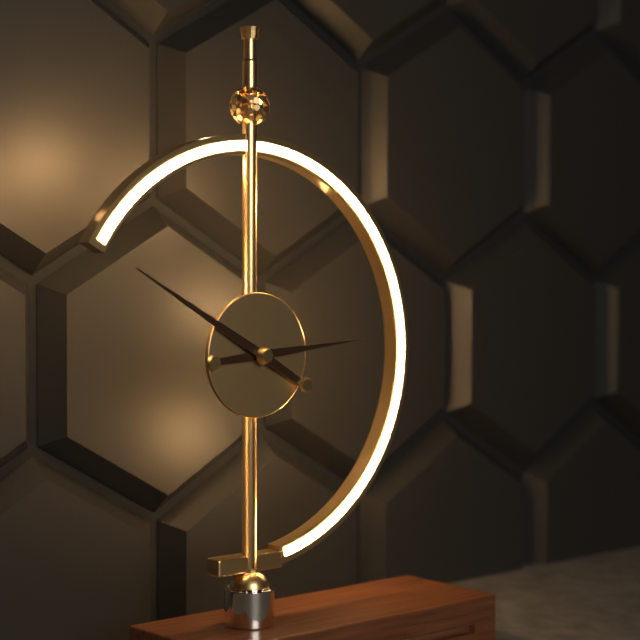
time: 2:50
